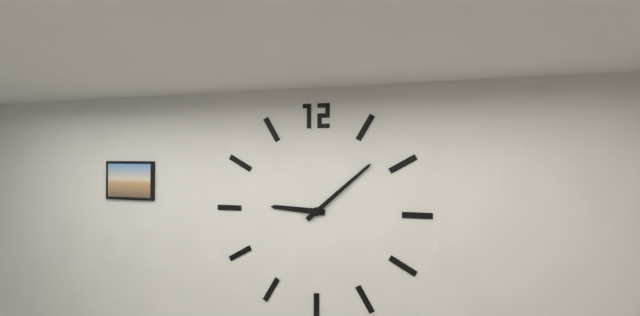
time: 9:08
